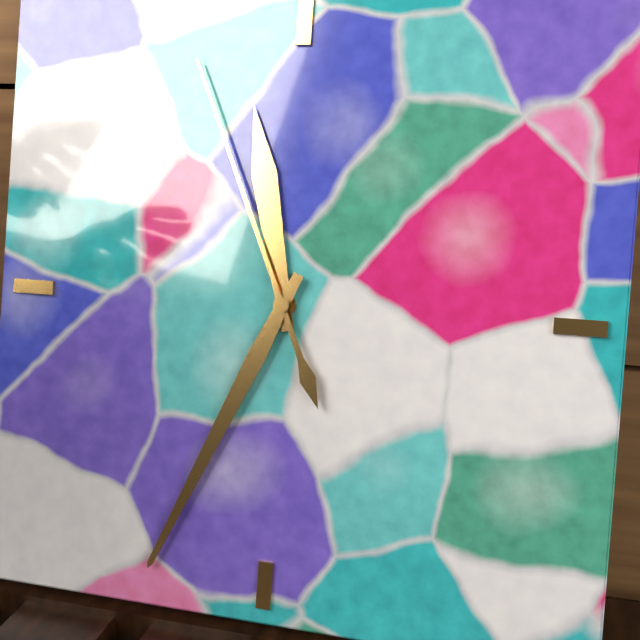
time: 11:34:56
